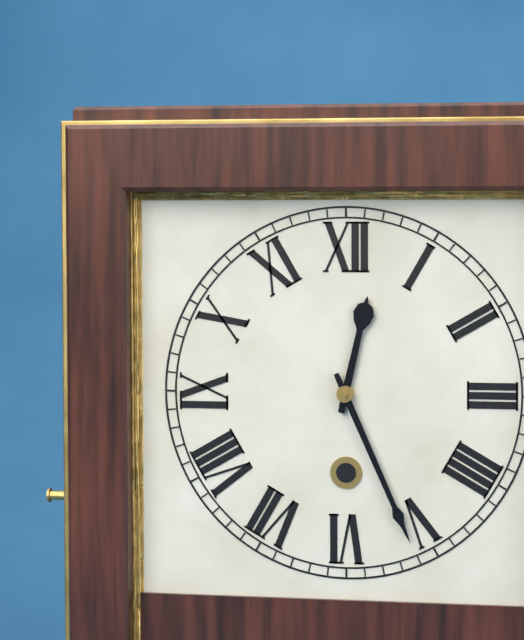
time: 12:26
